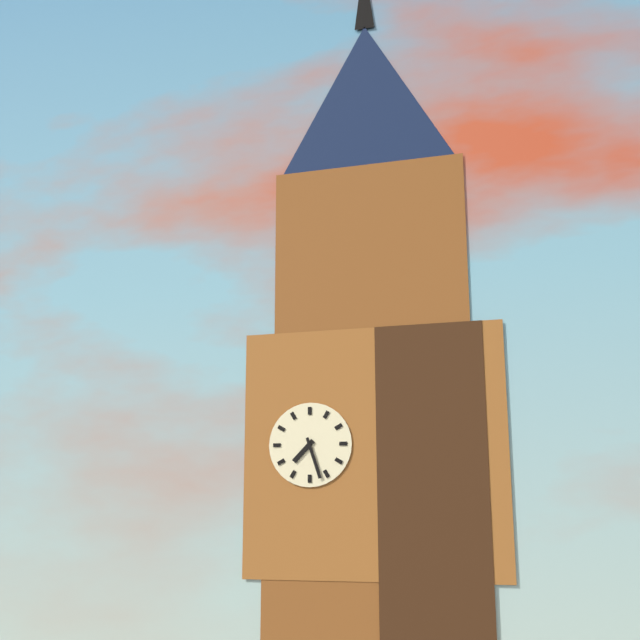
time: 7:27
